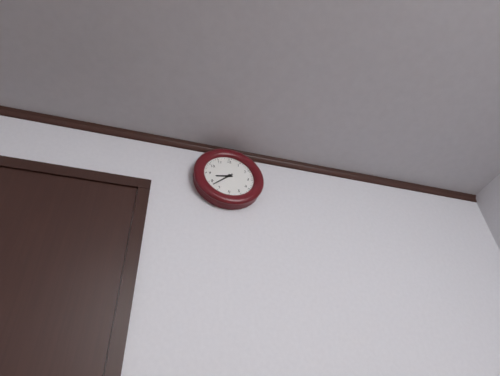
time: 8:38
